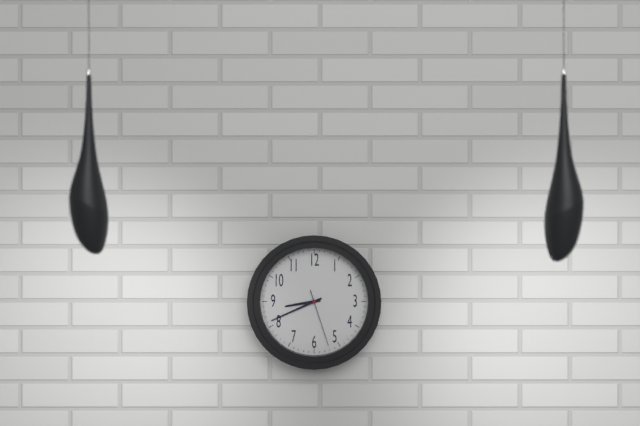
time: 8:41:27
